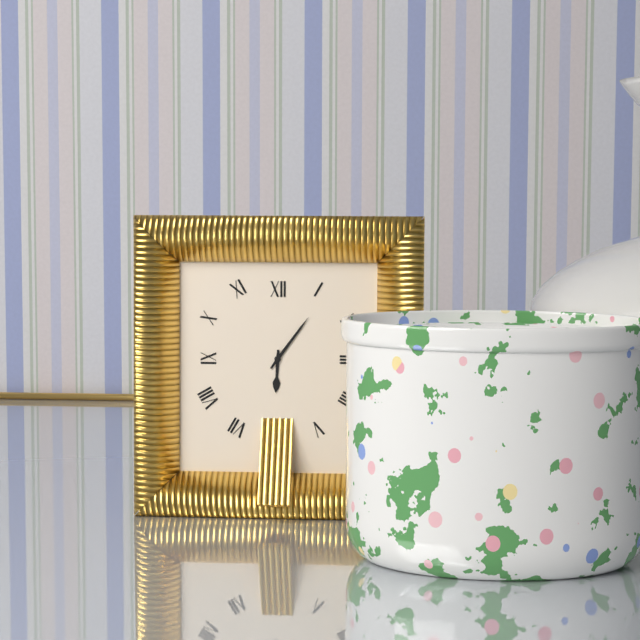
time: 6:06
